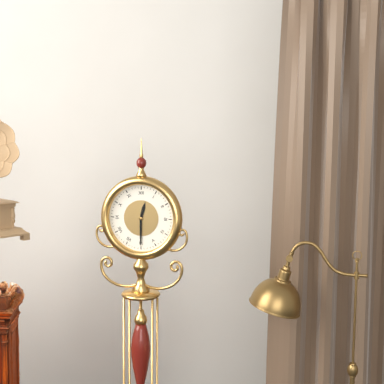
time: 12:30
